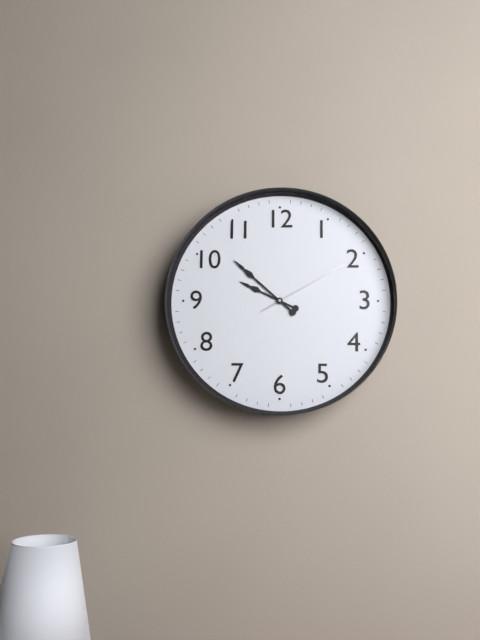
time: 9:52:10
